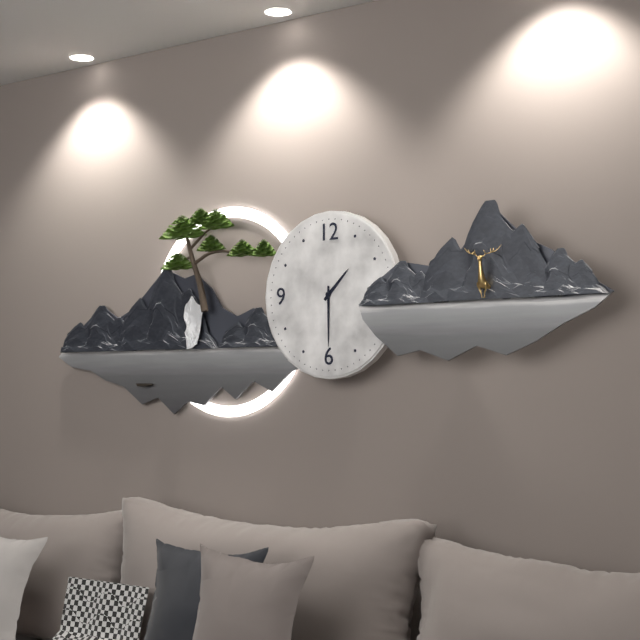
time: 1:30
